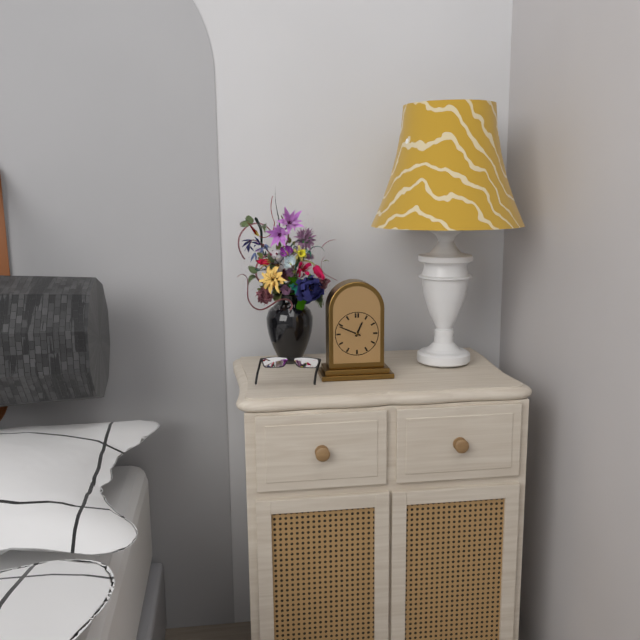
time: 12:49
